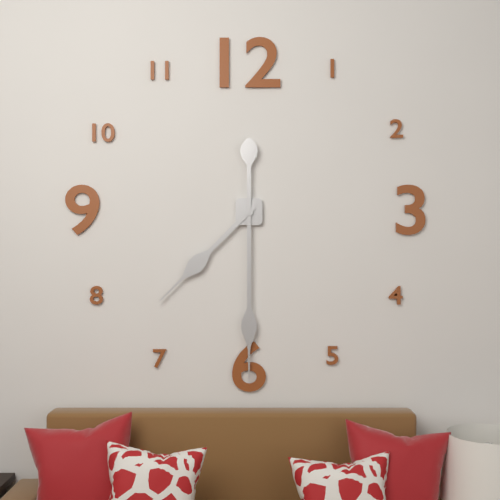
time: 7:30
